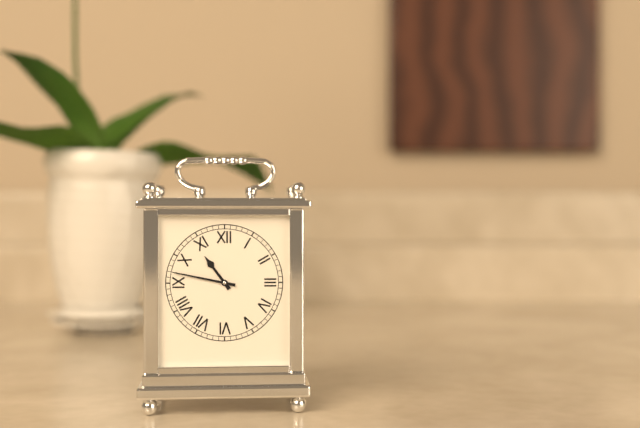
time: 10:47
